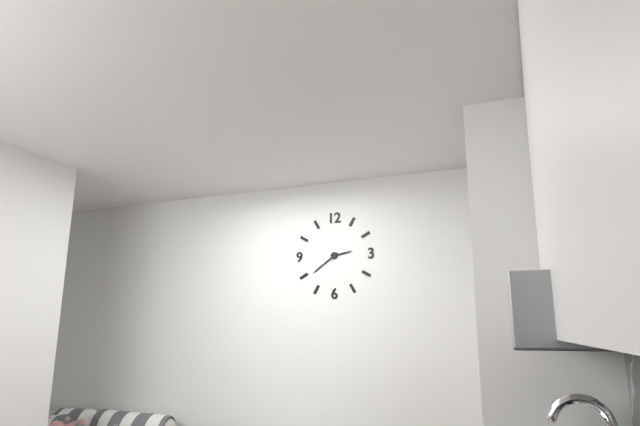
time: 2:39
